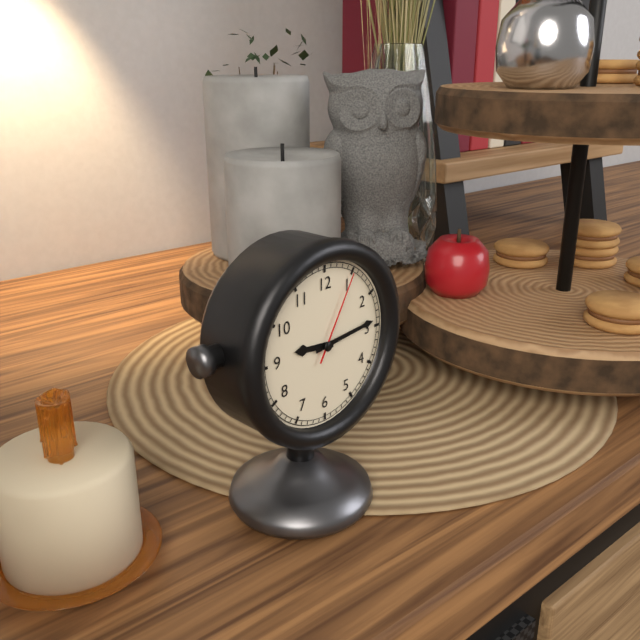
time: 9:14:05
